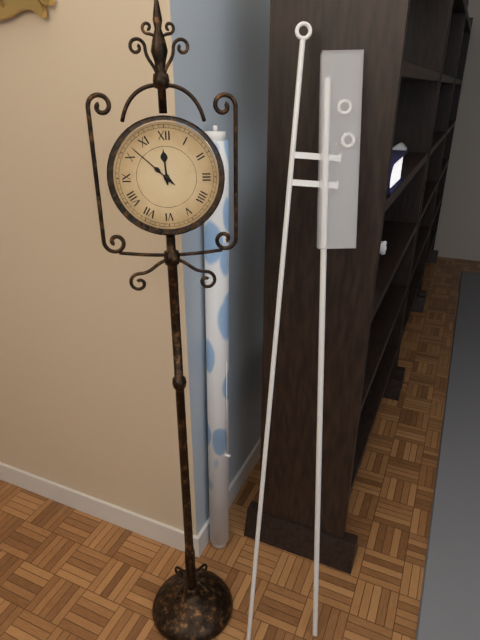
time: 11:52
